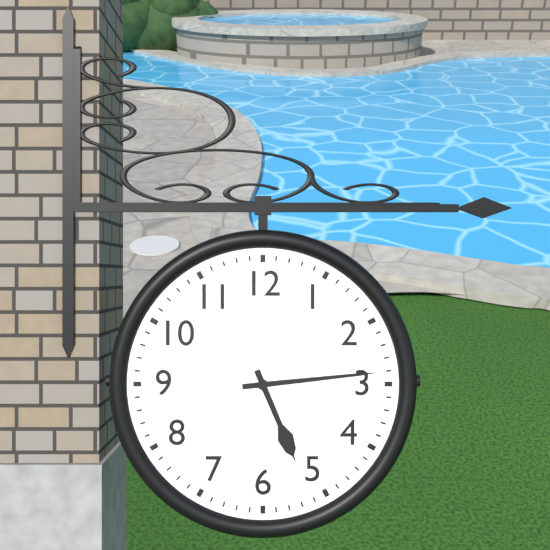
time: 5:14
